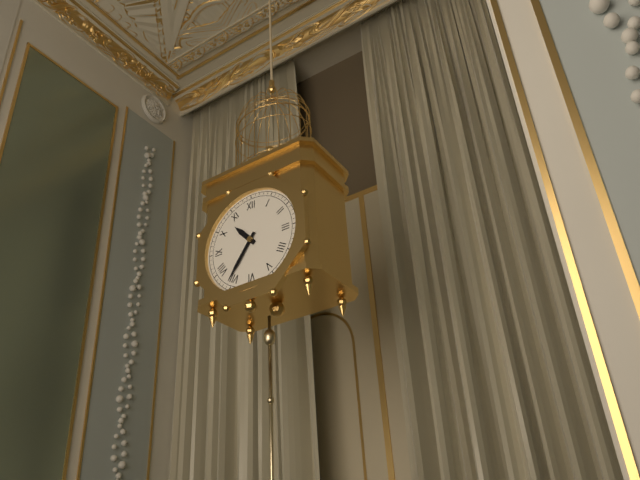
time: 10:36
